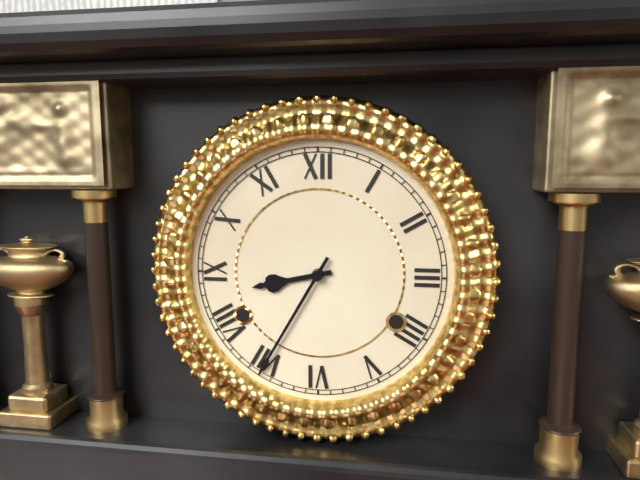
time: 8:35
